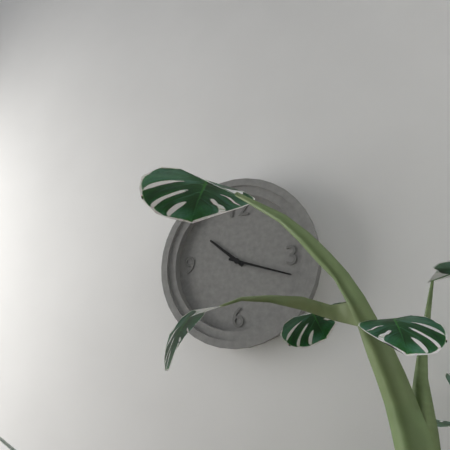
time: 10:18
